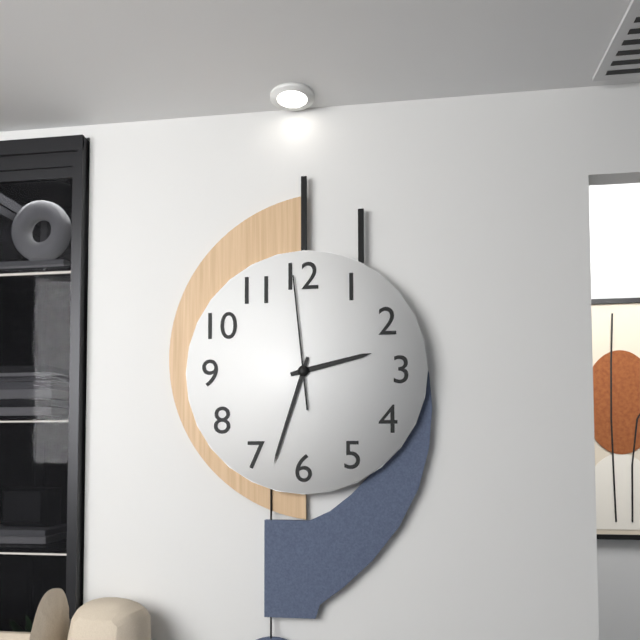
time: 2:33:59
